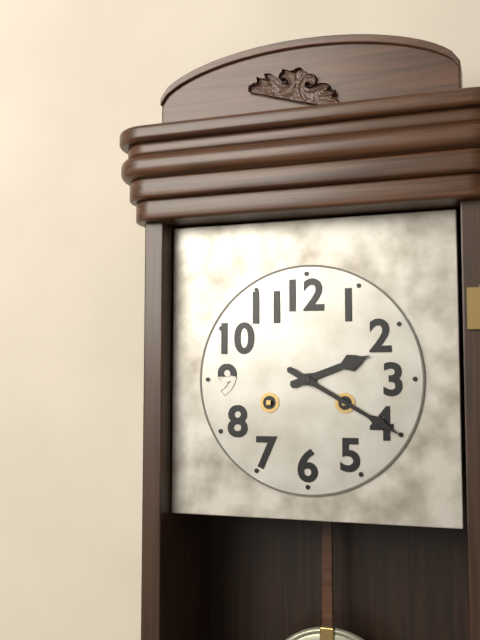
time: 2:20
